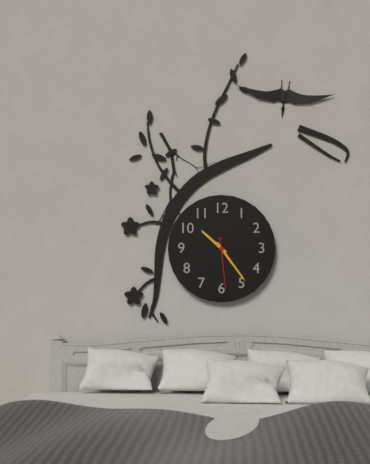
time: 10:24:29
